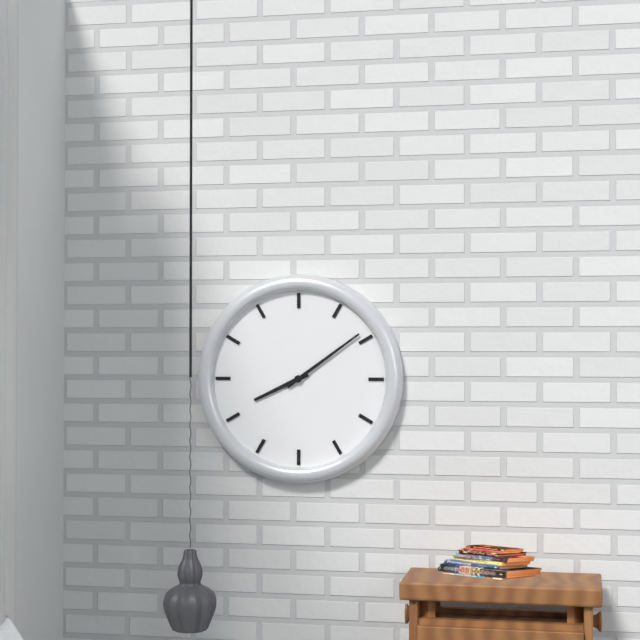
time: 8:09
